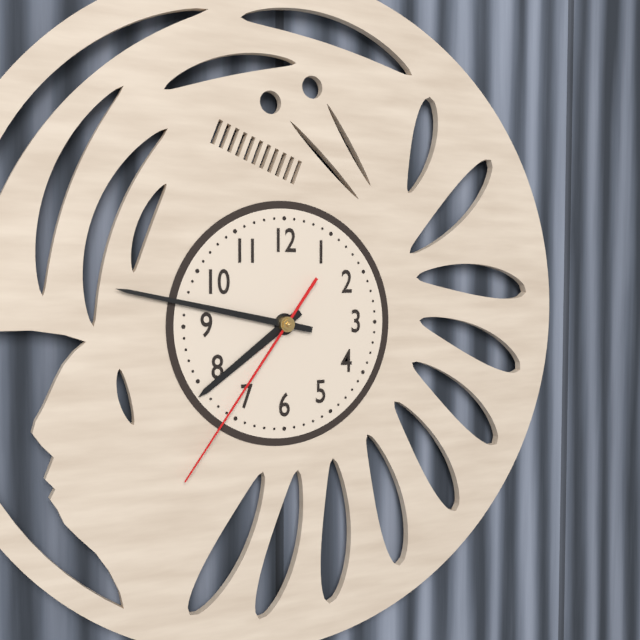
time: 7:47:36
